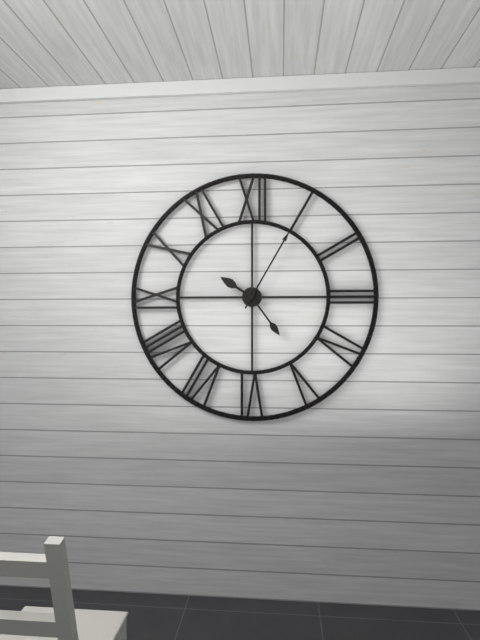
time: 10:05:24
